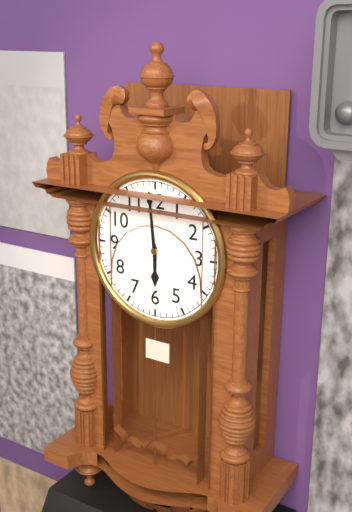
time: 5:59
